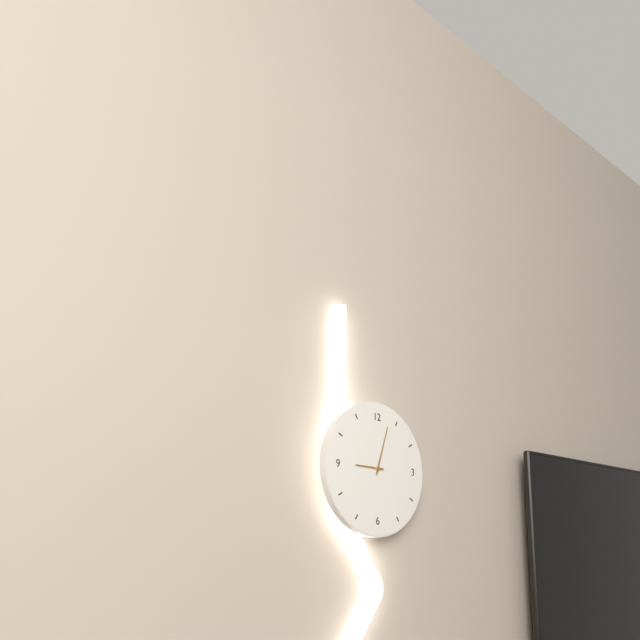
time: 9:03
